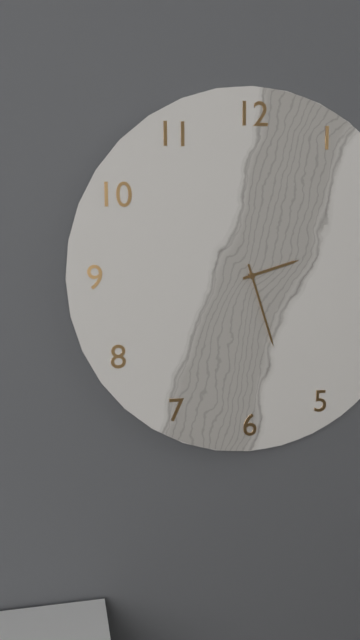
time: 2:27
